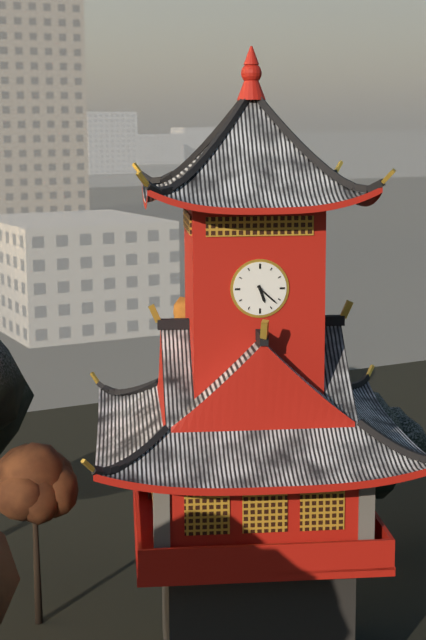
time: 5:22
